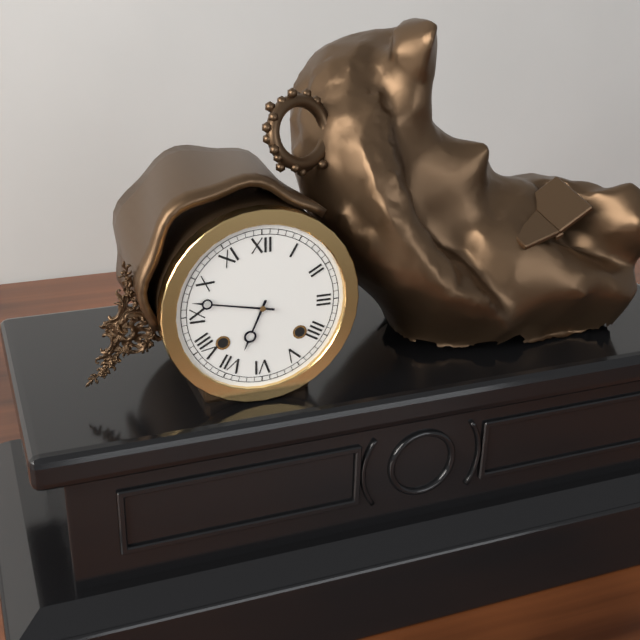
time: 6:47
